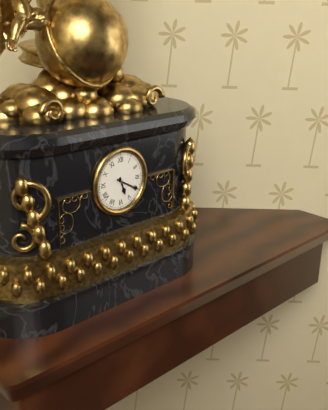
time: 5:20
